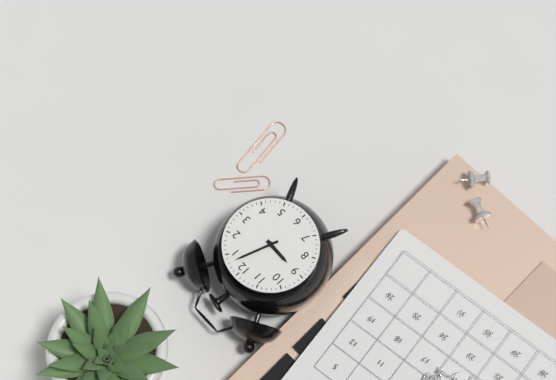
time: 9:03
